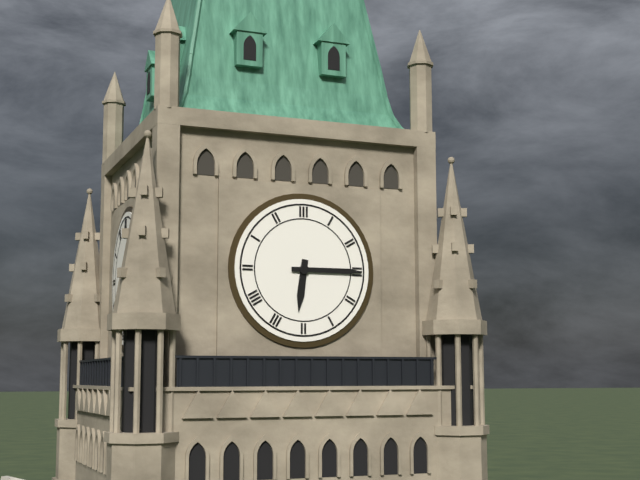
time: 6:15
